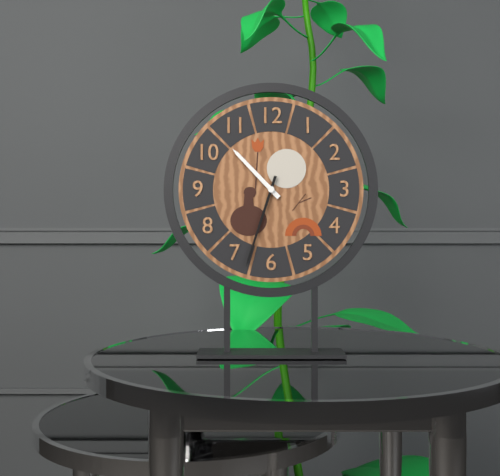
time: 10:33
